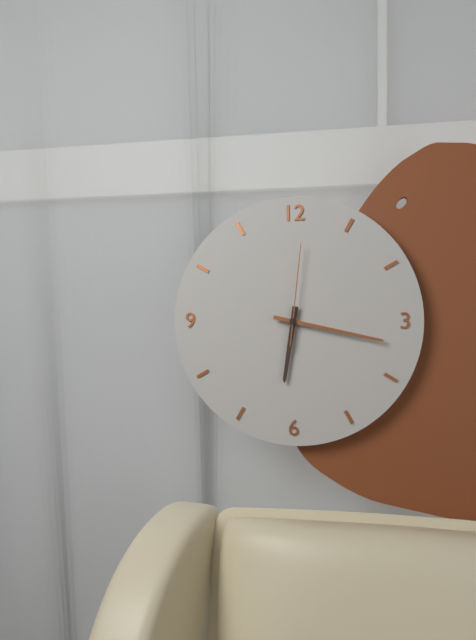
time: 6:17:01
